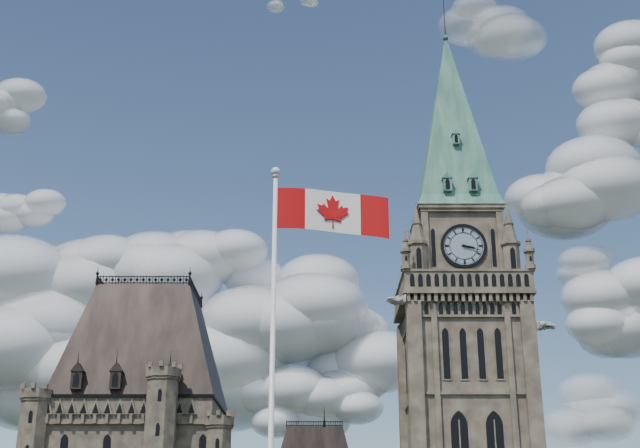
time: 3:18
